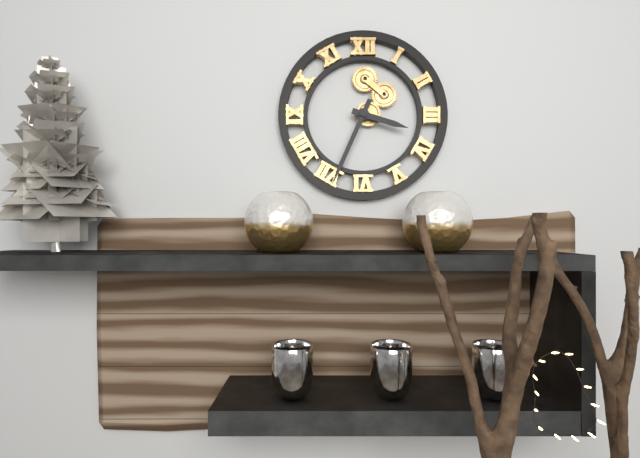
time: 3:34
